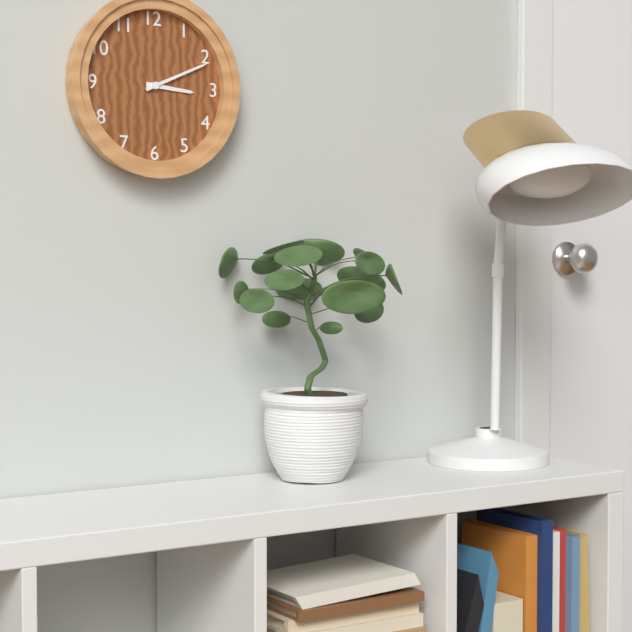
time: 3:11
